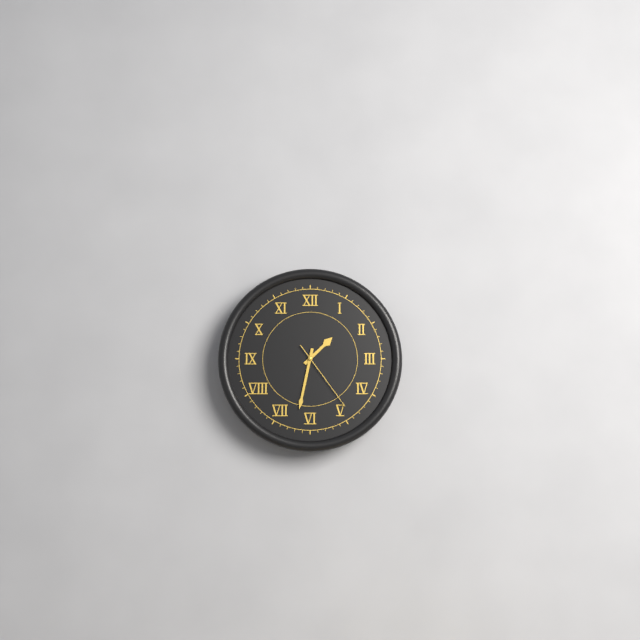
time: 1:32:24
